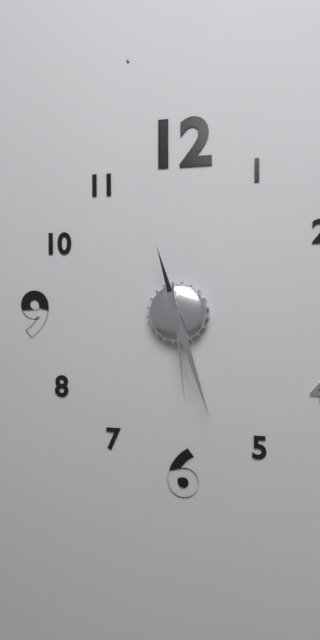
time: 11:27:29
